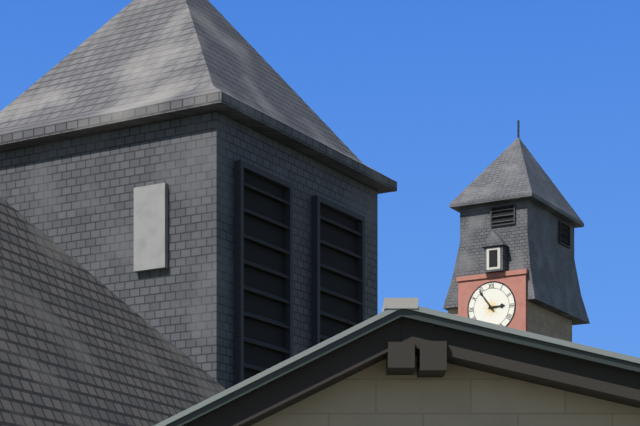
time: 2:54
